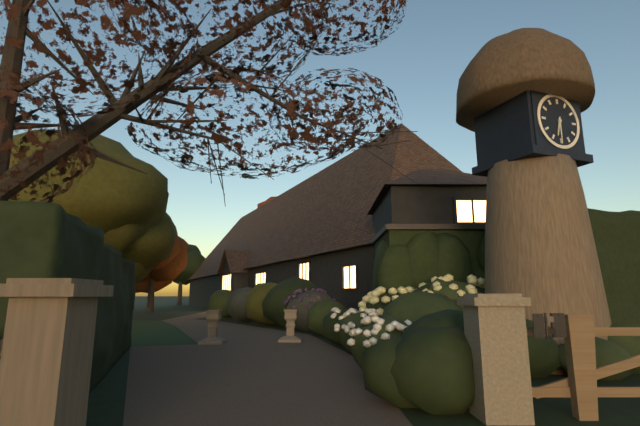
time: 6:30
